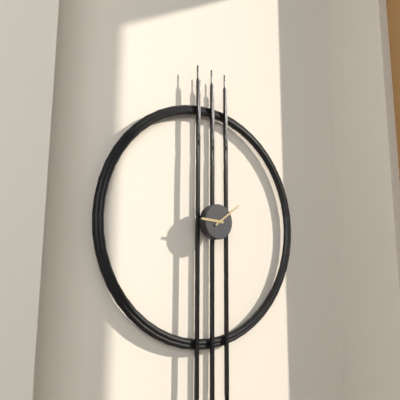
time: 9:09
